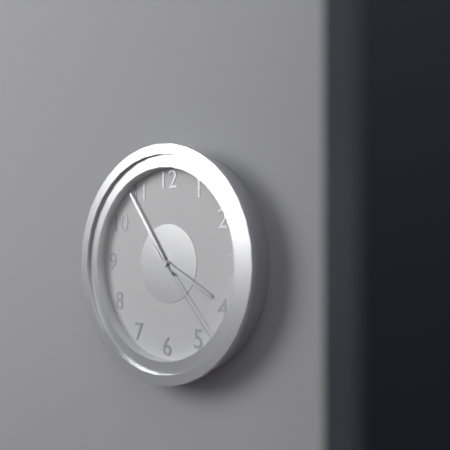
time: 3:54:23
